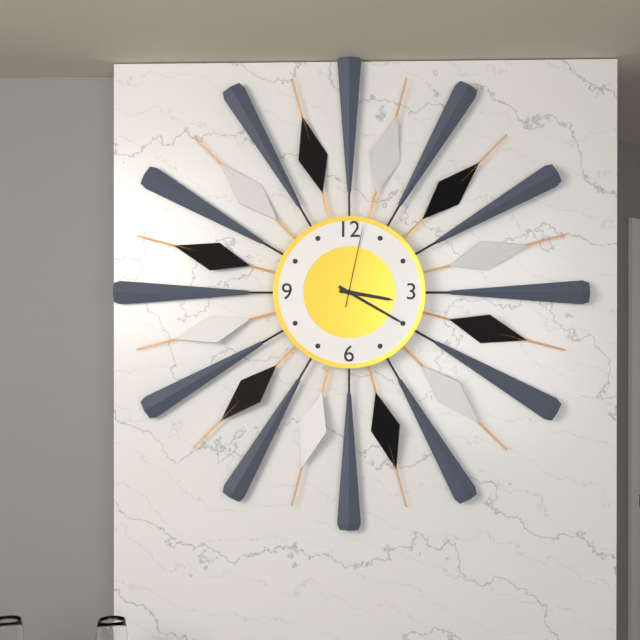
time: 3:20:02
